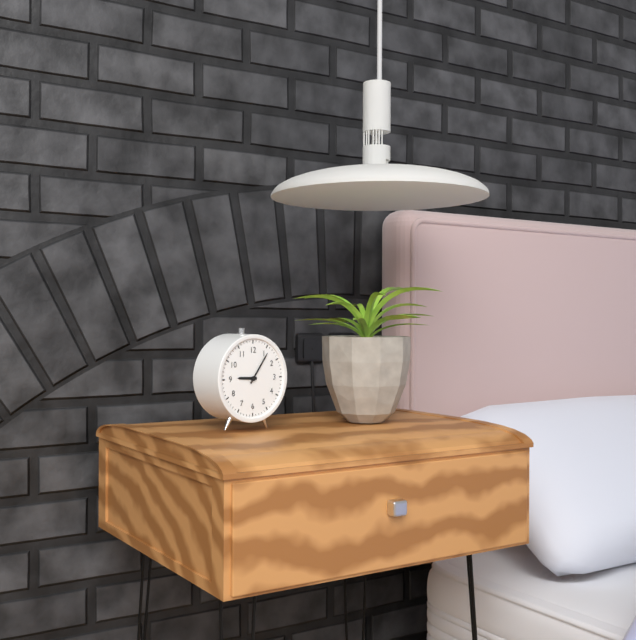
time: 9:06
